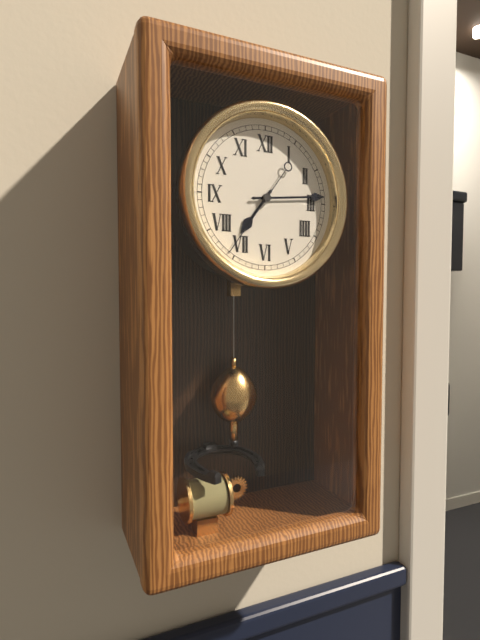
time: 7:14:36
